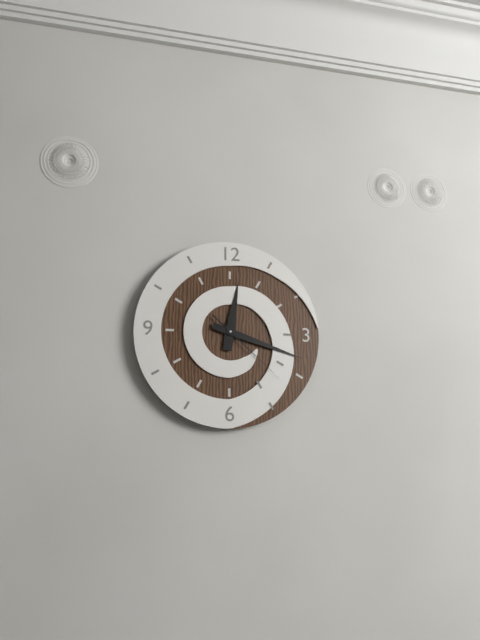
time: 12:18:22
